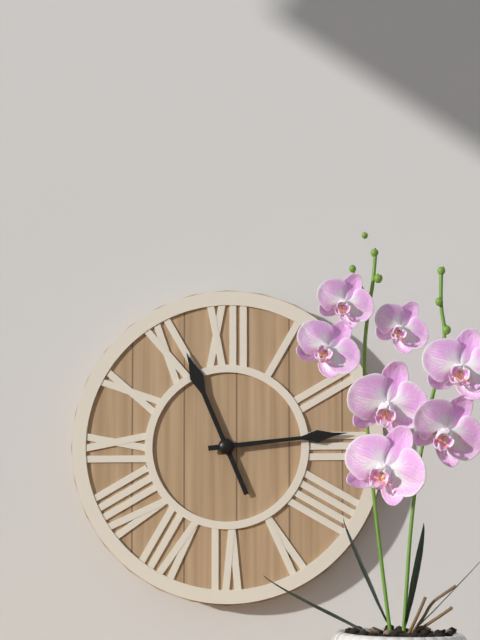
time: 11:14
